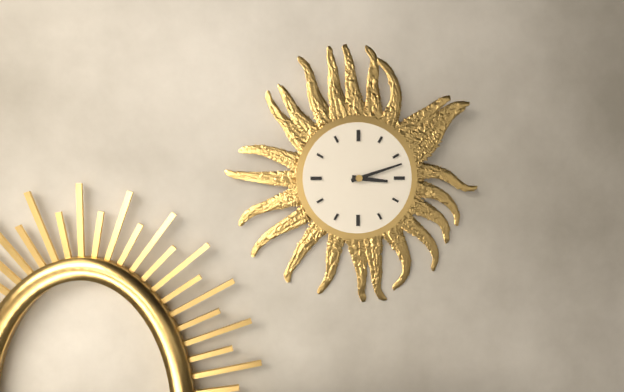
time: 3:12
